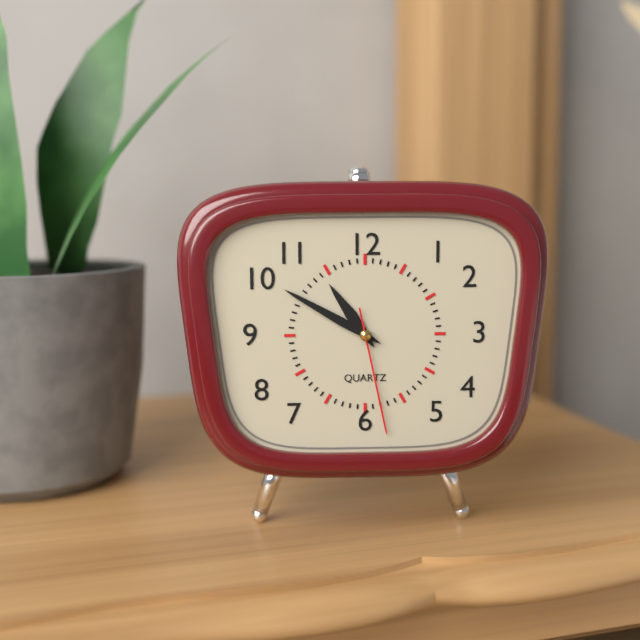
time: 10:50:28
